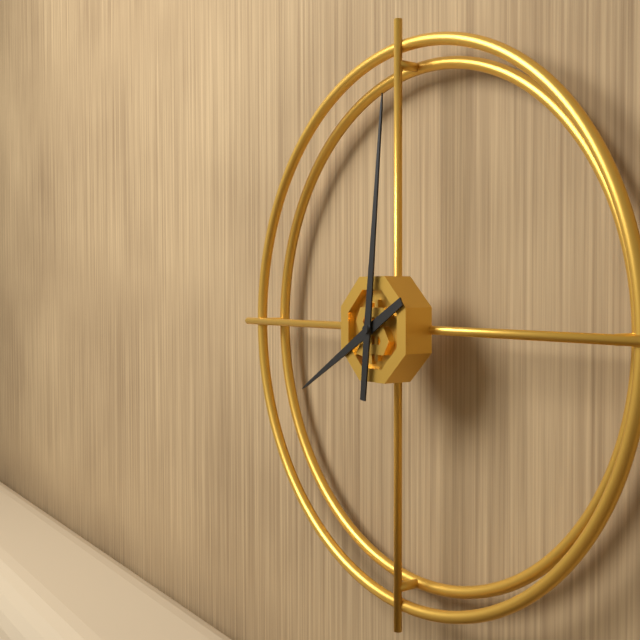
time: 8:01
